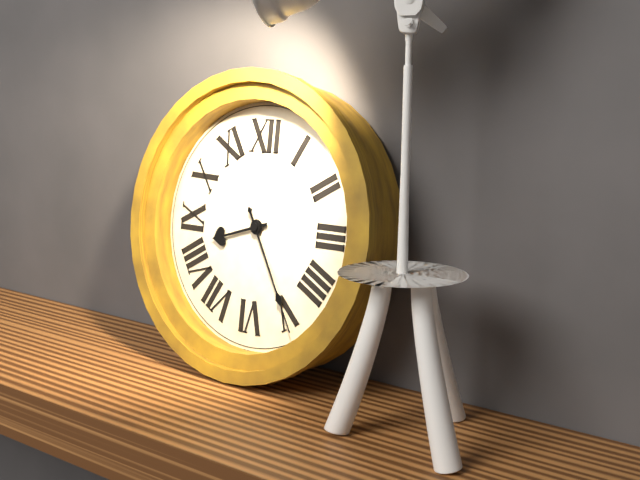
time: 8:25
